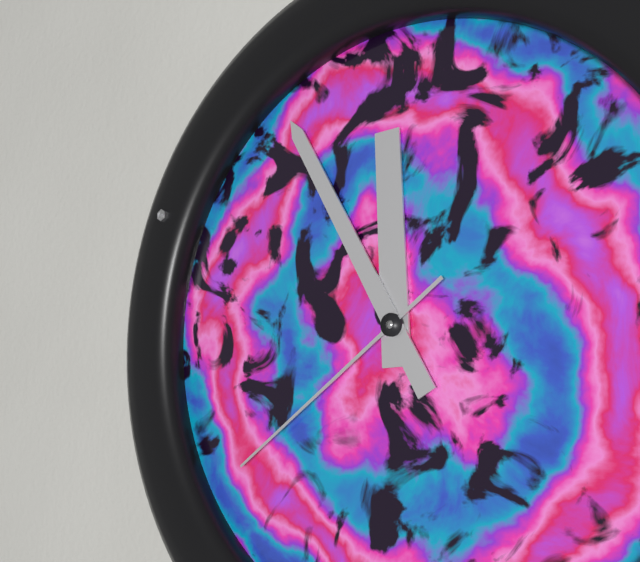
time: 11:55:39
